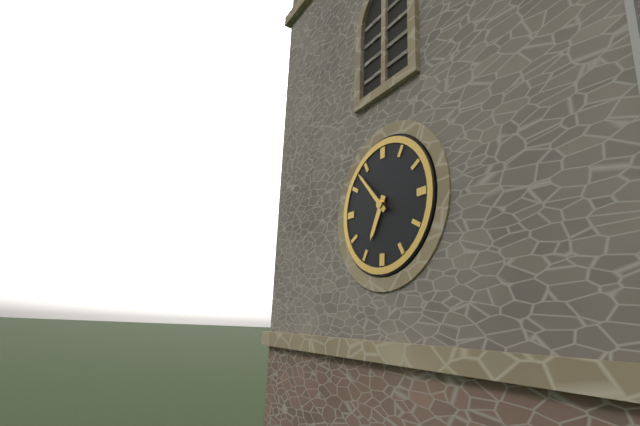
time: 6:53
